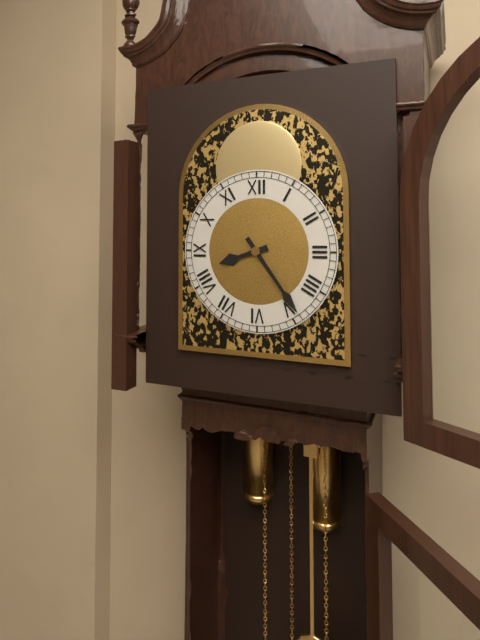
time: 8:24
